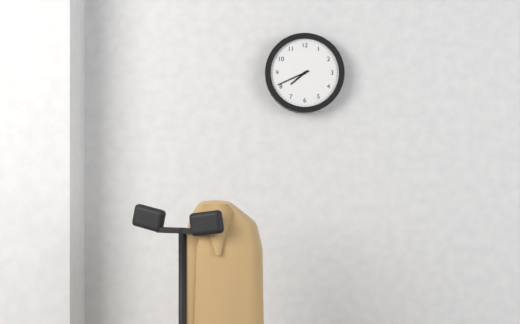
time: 7:41
